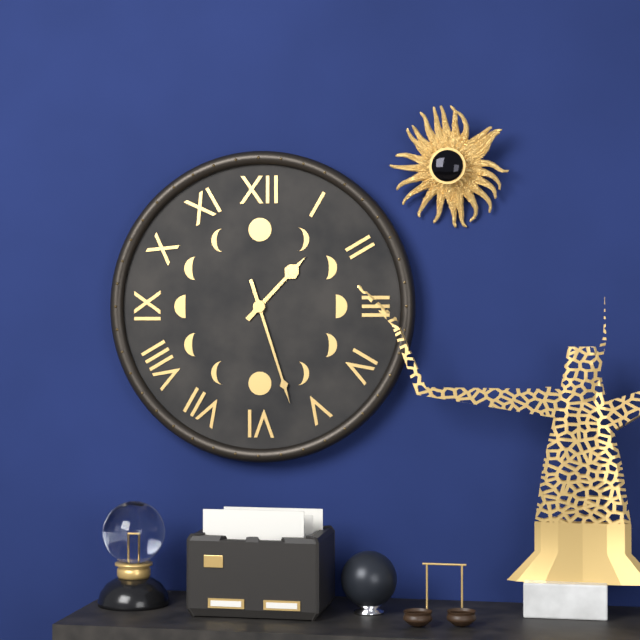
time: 1:27
